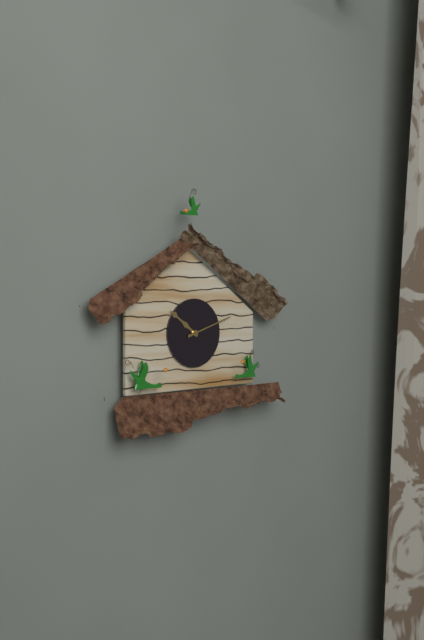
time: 10:12
